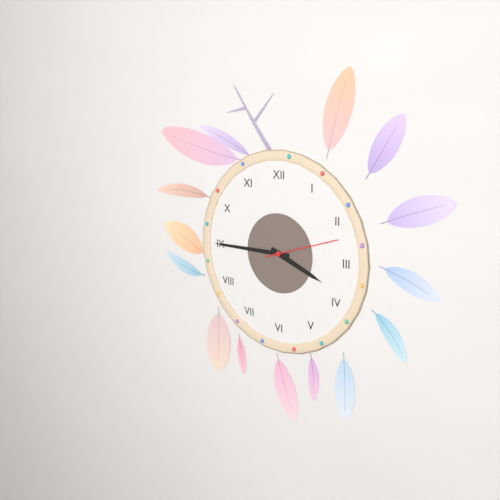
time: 3:45:12
